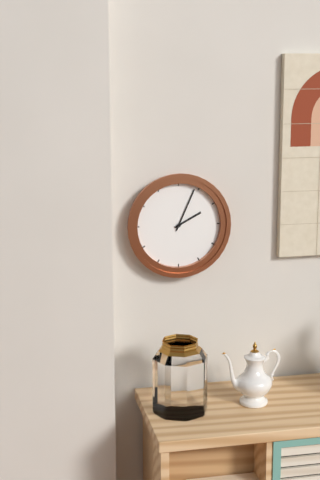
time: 2:04
